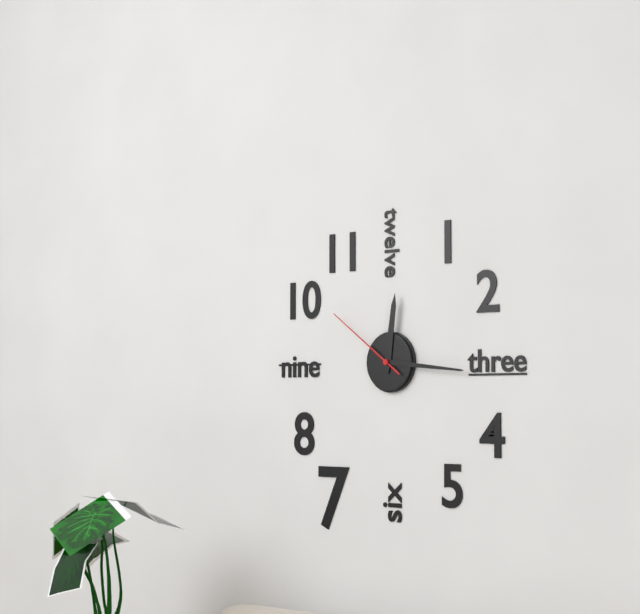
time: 12:16:51
